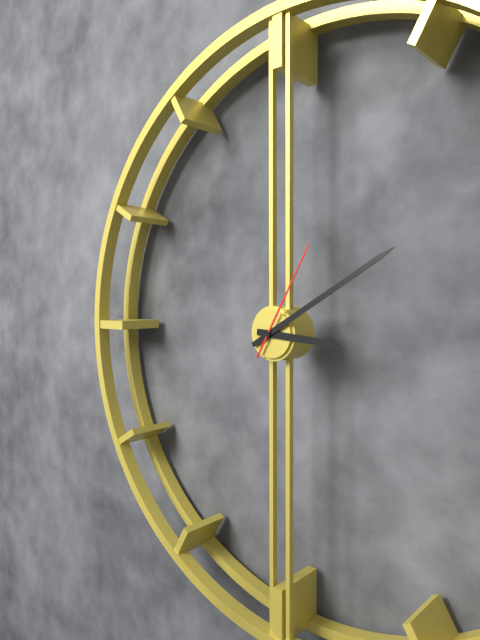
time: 3:10:05
